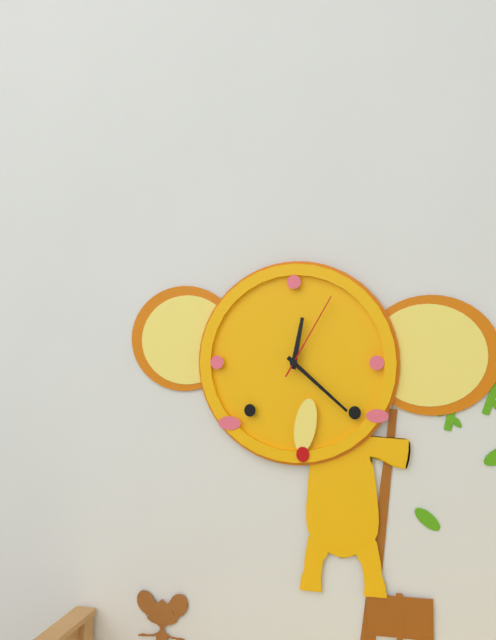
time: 12:22:05
